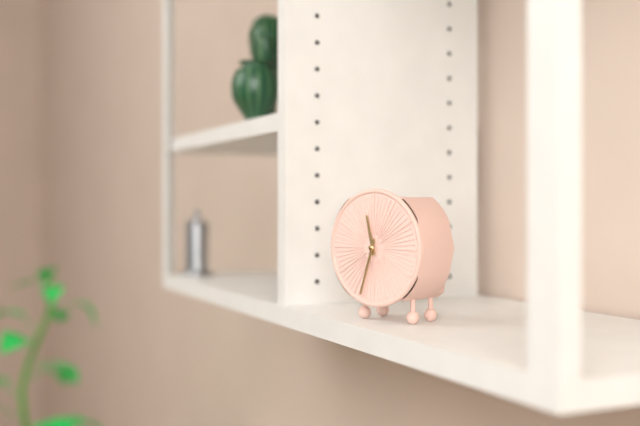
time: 11:33
